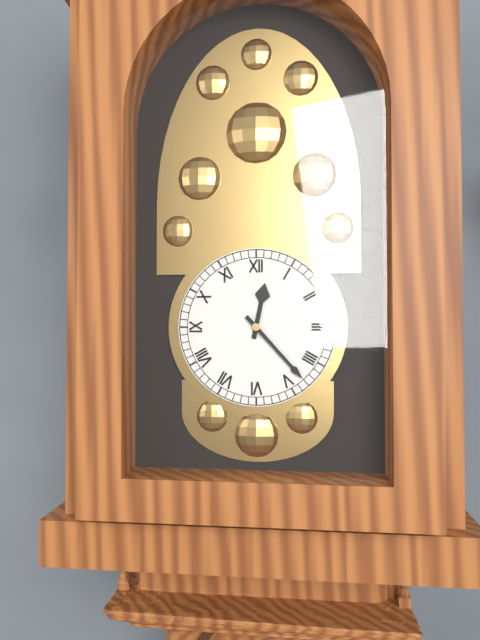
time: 12:23
